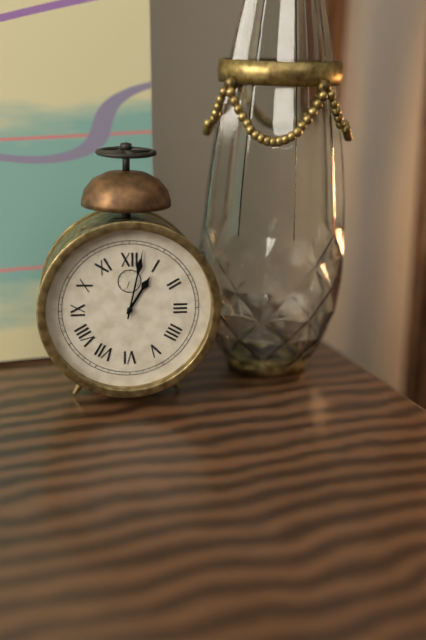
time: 1:02
